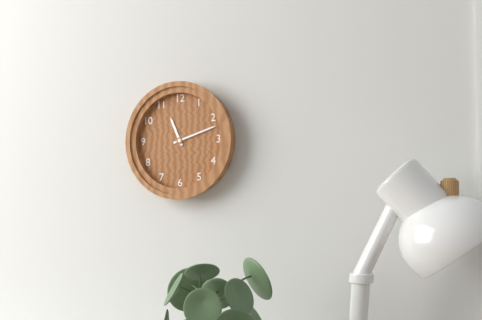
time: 11:12
